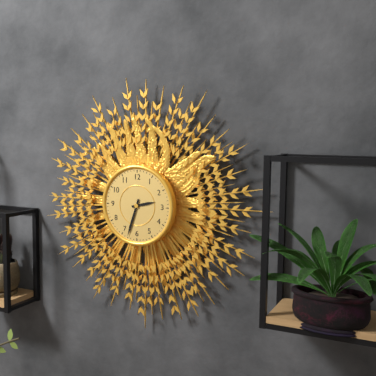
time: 2:33
